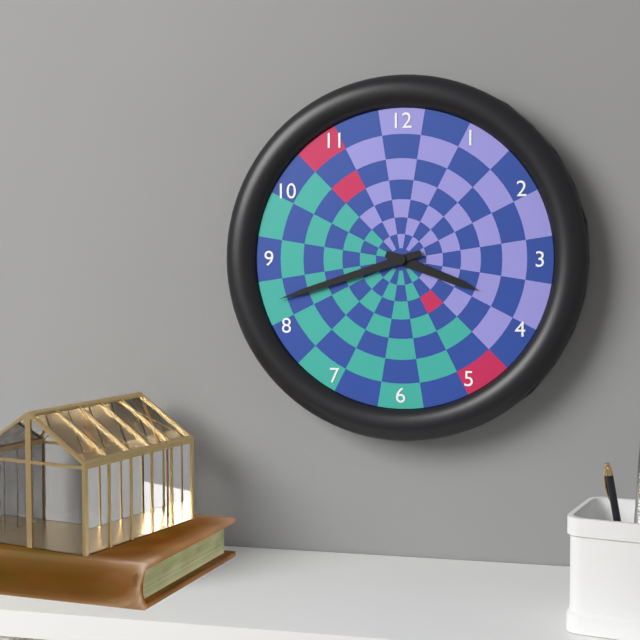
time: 3:42
